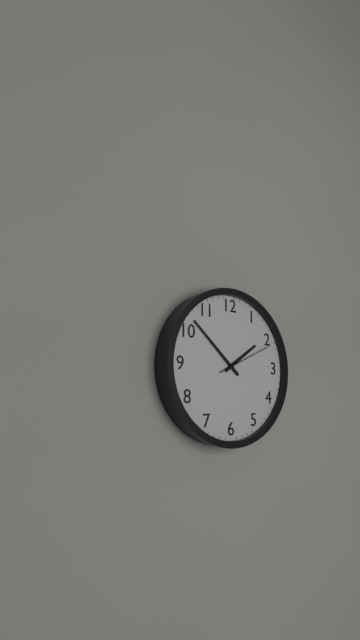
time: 1:52:11
